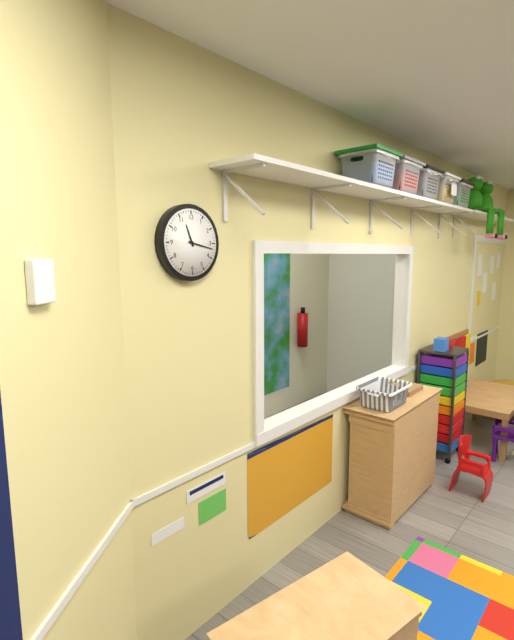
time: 11:17
